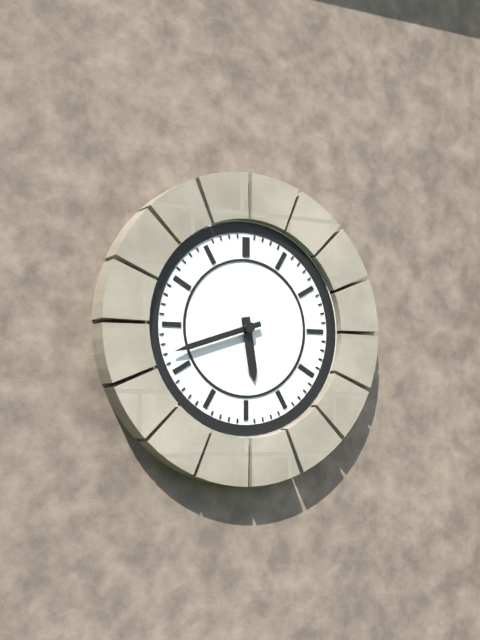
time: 5:42
